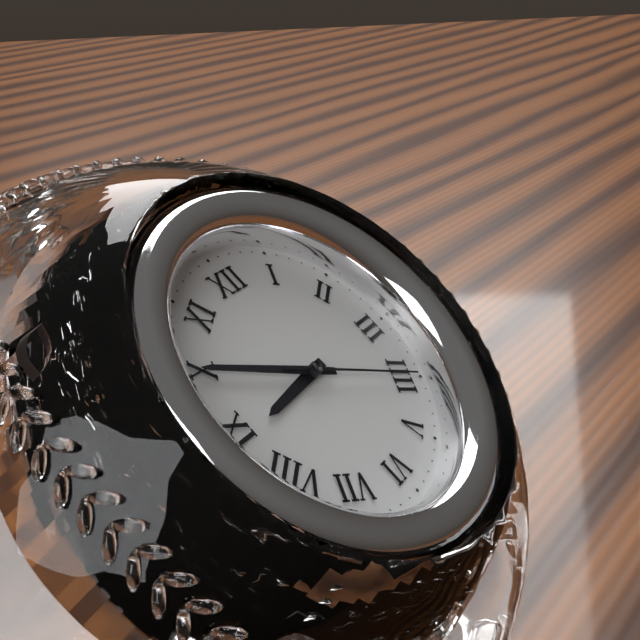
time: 8:50:20
